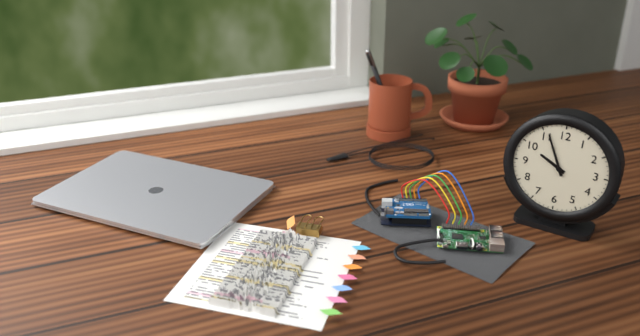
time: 9:56
